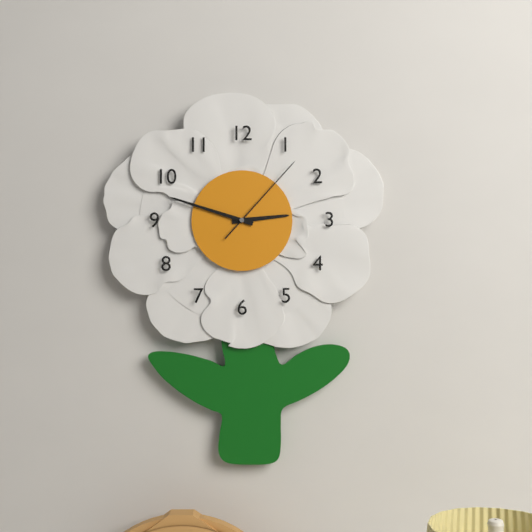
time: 2:48:07
